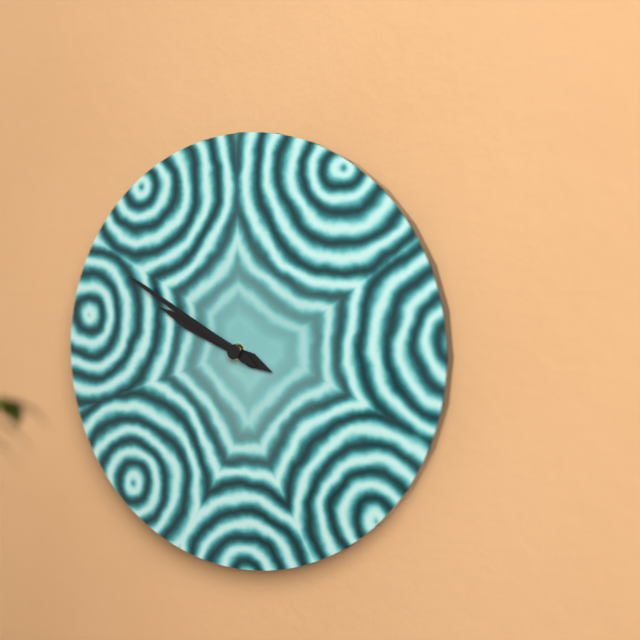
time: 9:50
